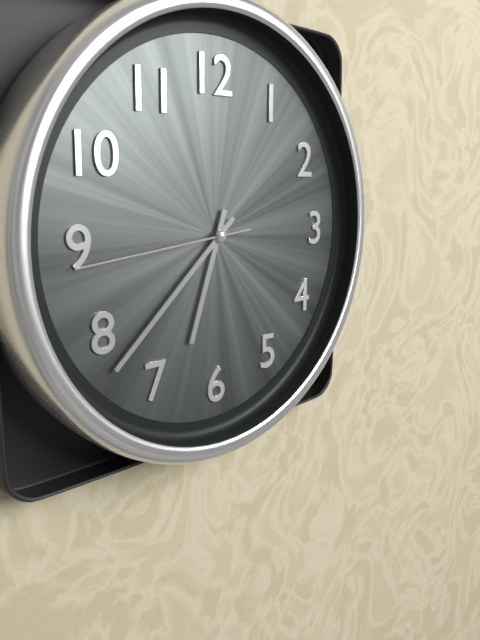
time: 6:38:44
